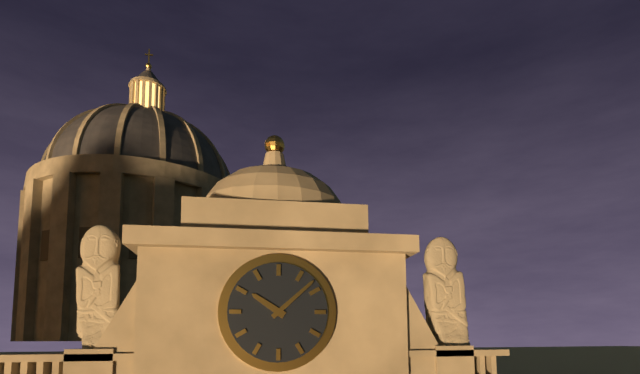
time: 10:08
